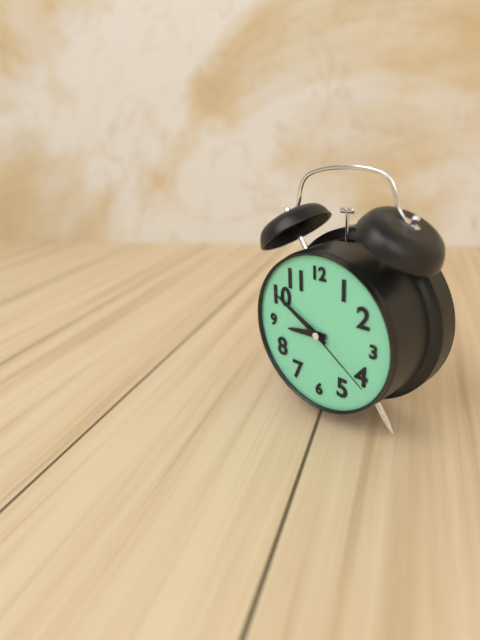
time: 8:50:21
